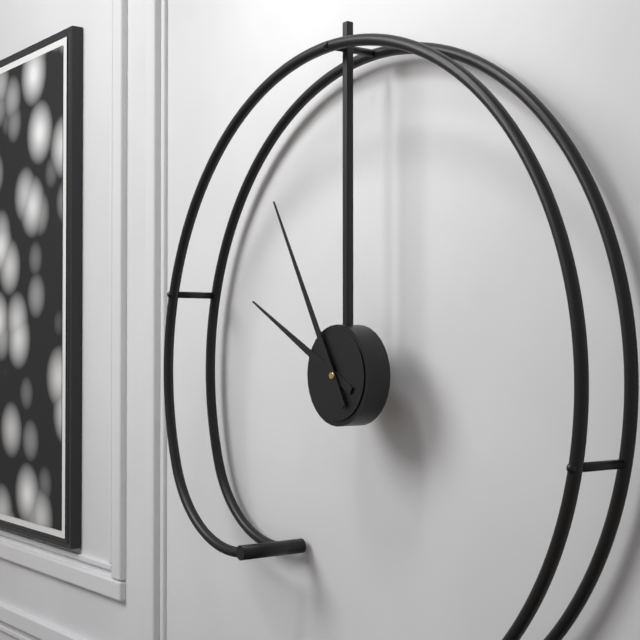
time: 9:55
